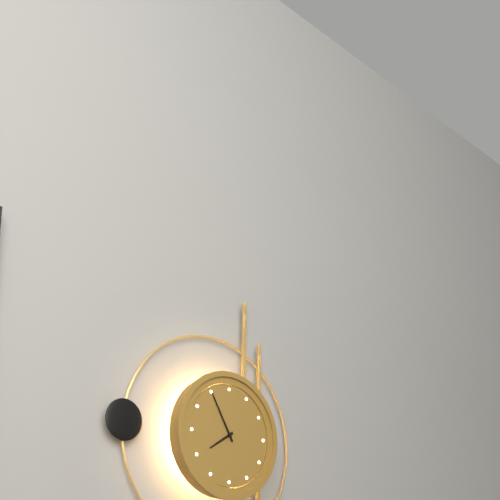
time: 7:55
